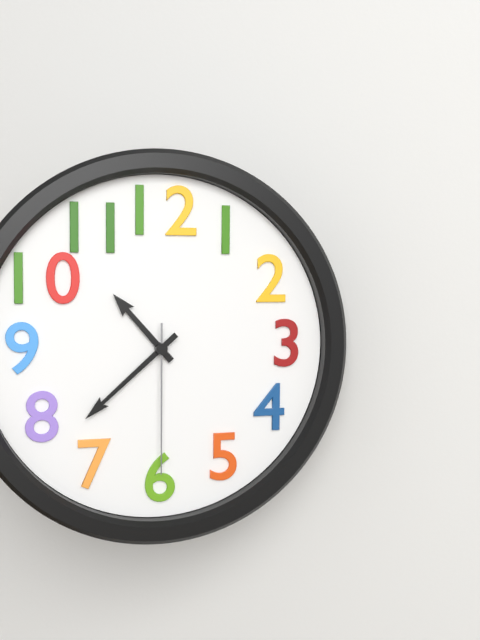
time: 10:38:30
